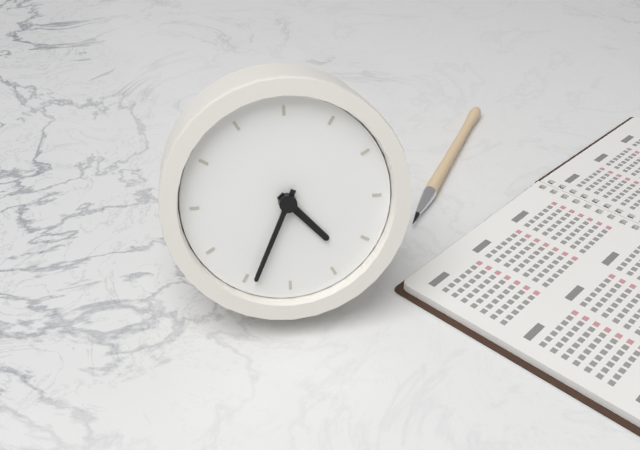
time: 4:34
